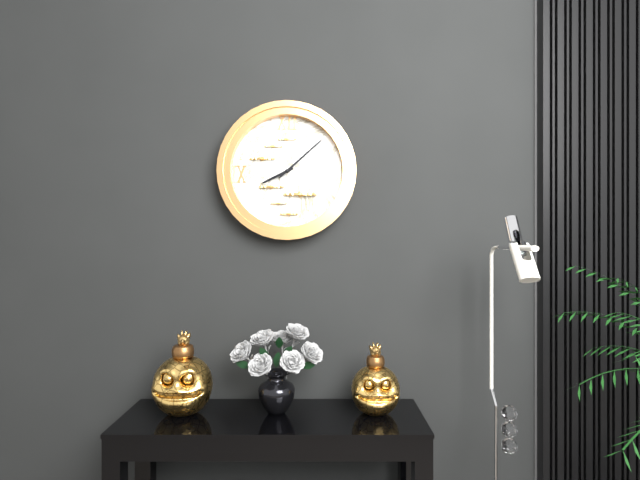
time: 8:08
